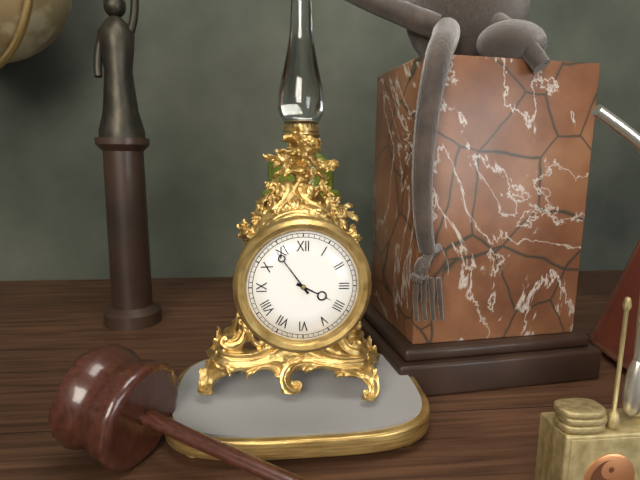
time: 3:54
